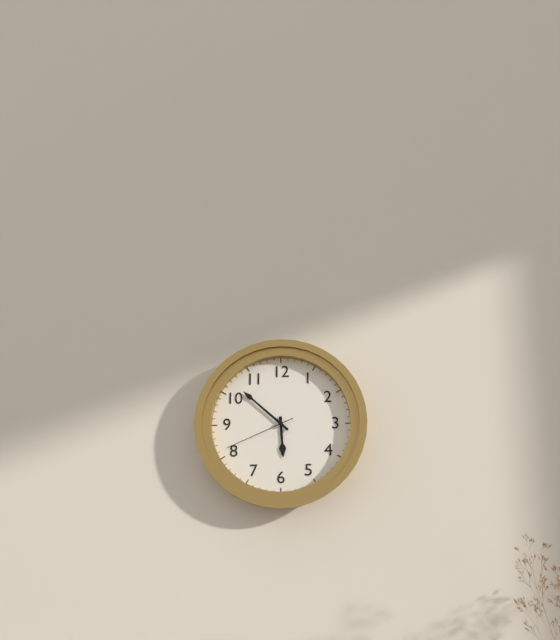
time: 5:52:41
